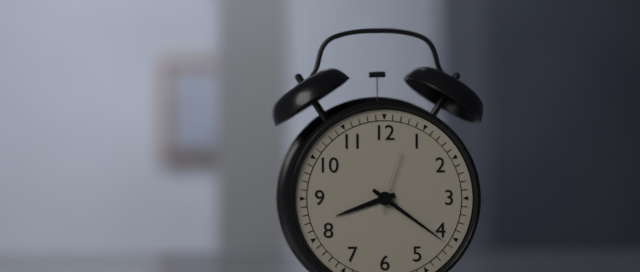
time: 8:21:03
